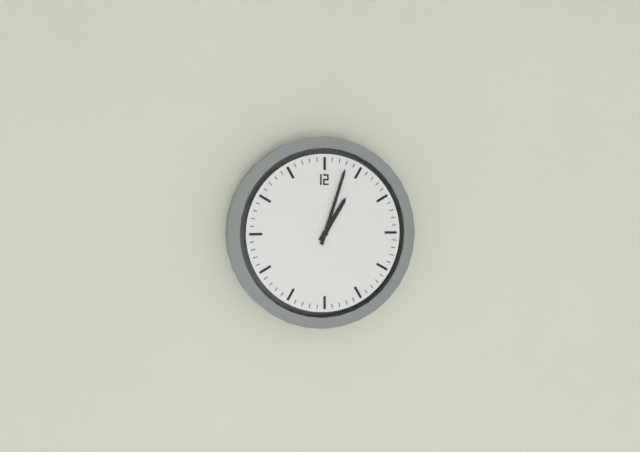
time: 1:03
